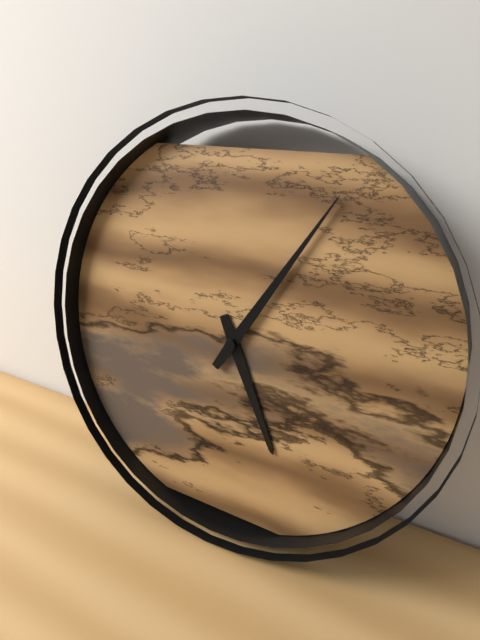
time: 5:05
